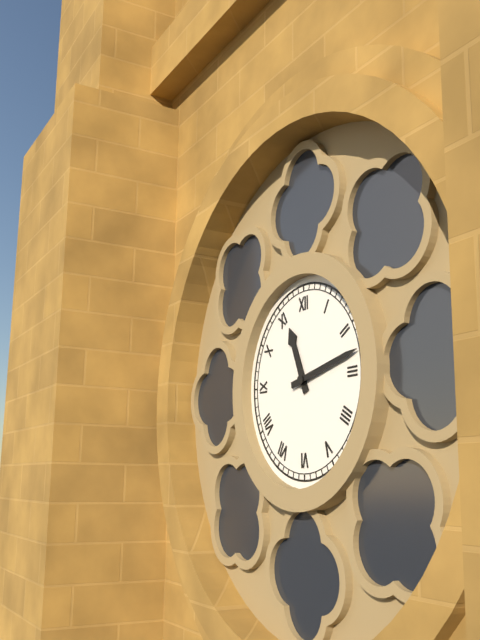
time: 11:13
